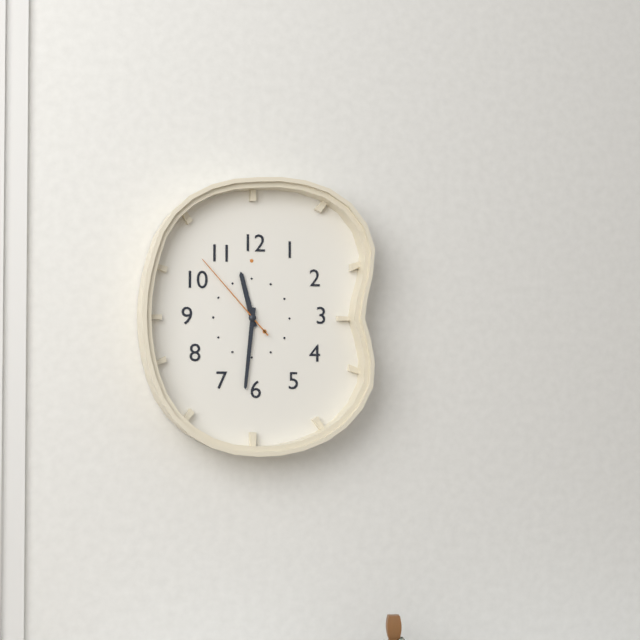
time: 11:31:53
